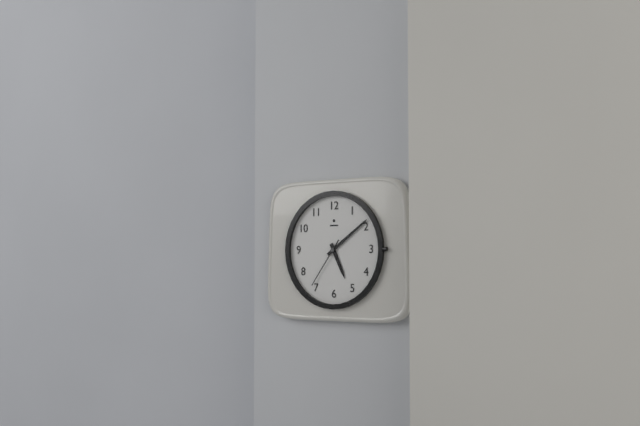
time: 5:09:36
